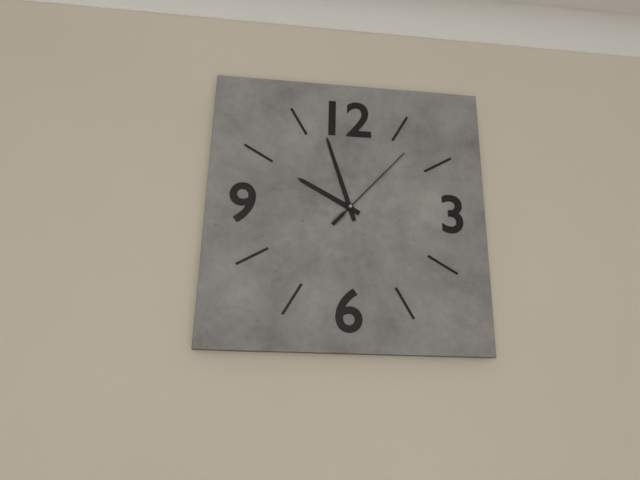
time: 9:57:07
